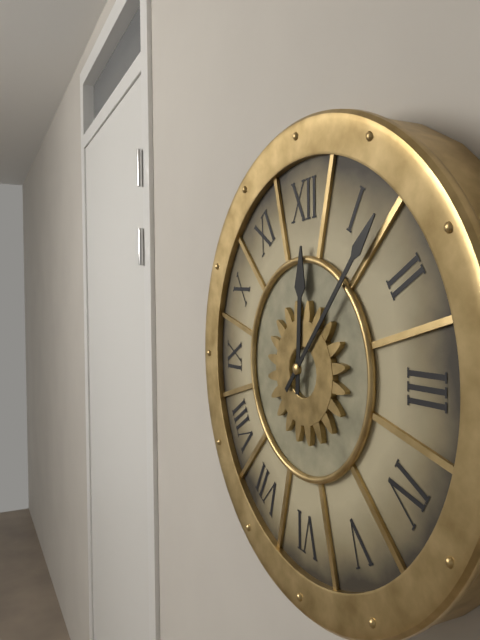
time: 12:07
